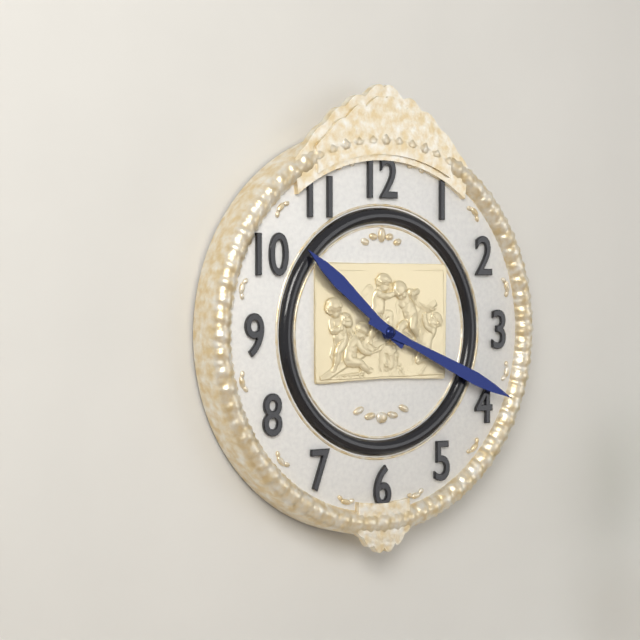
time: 10:19
